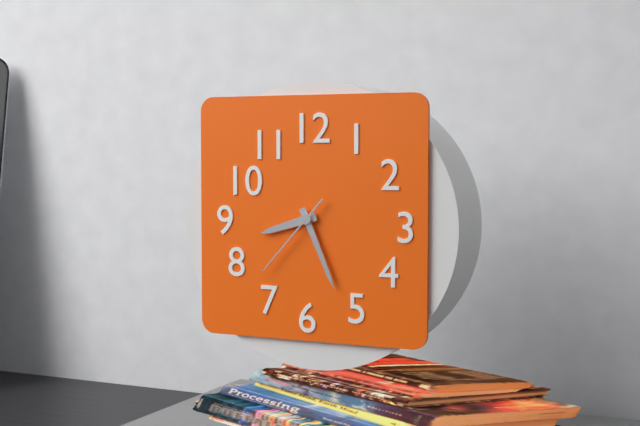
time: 8:26:37
